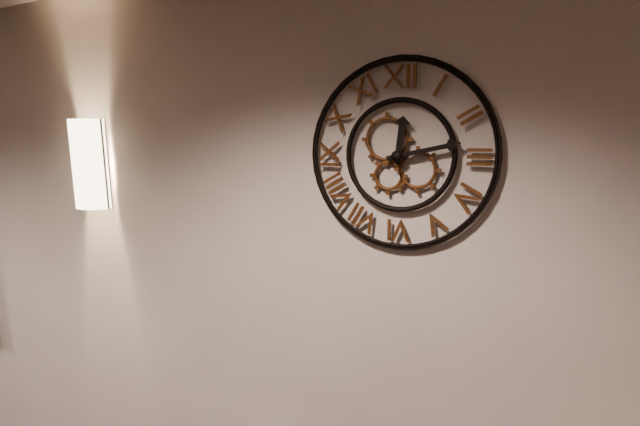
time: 12:13
